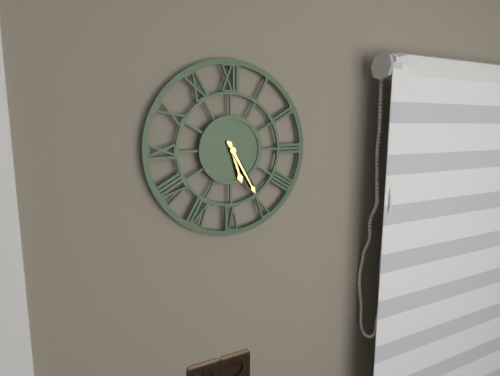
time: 5:25
